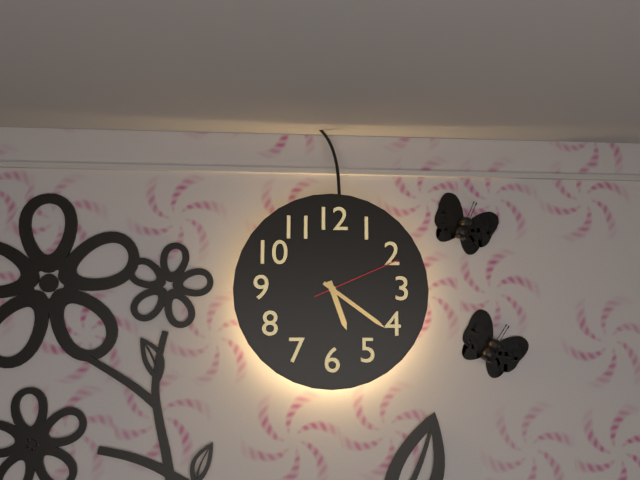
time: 5:21:11
